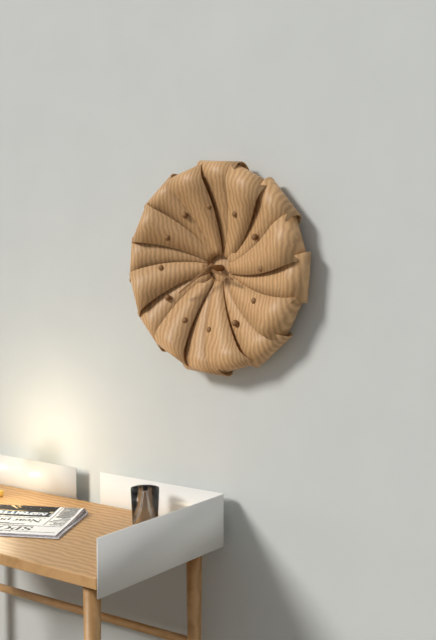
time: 3:39
